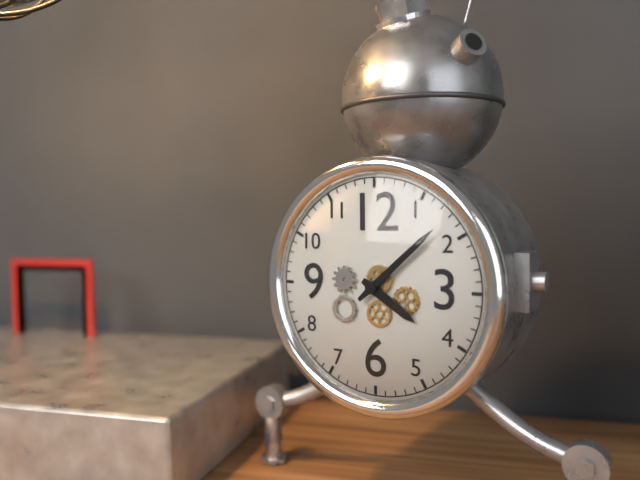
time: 4:08
